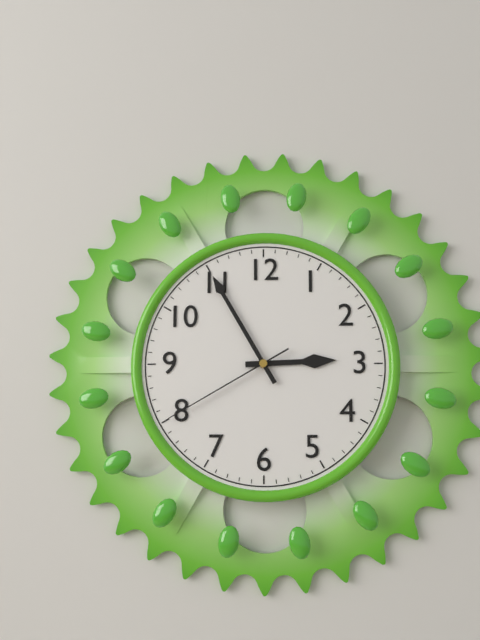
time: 2:55:40
